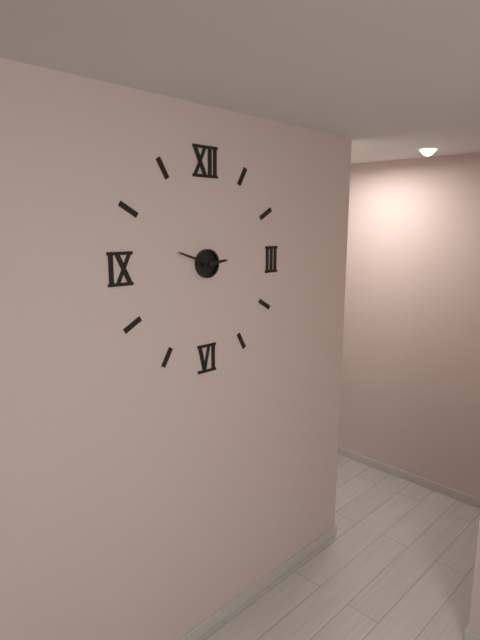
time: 2:48
